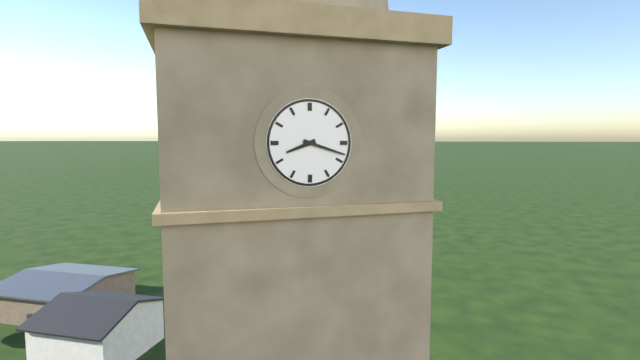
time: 8:18
